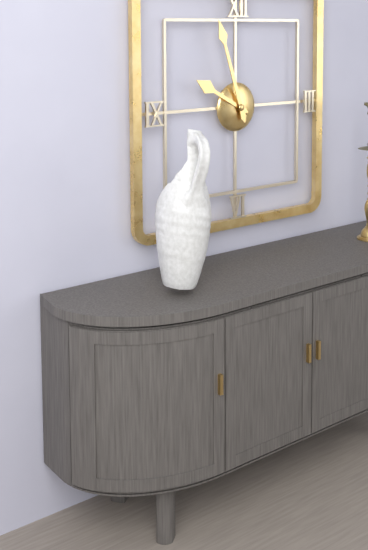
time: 9:57
